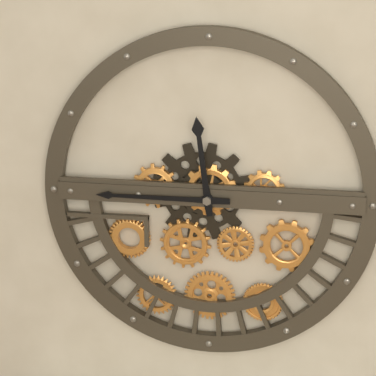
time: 11:45
